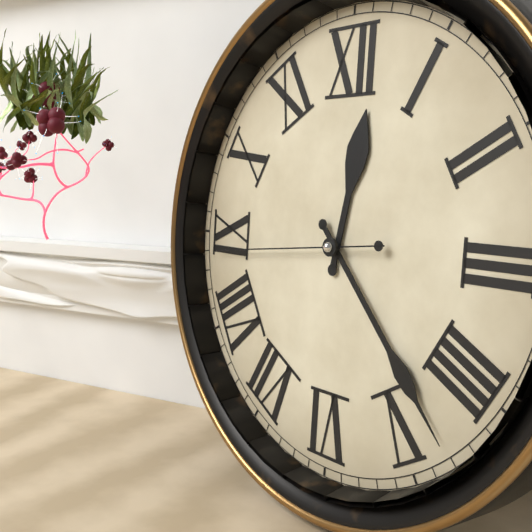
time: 12:23:44
